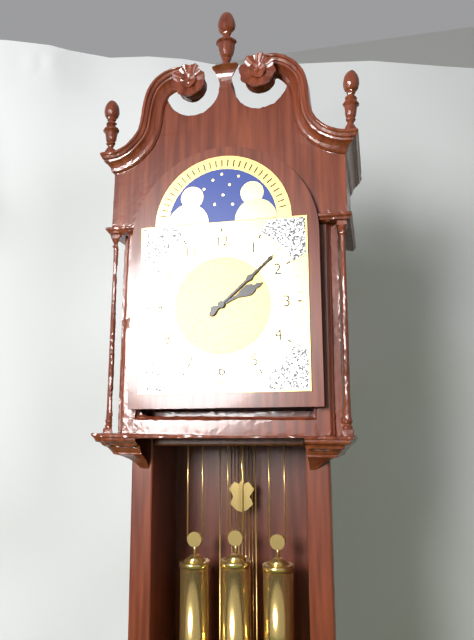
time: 2:08
